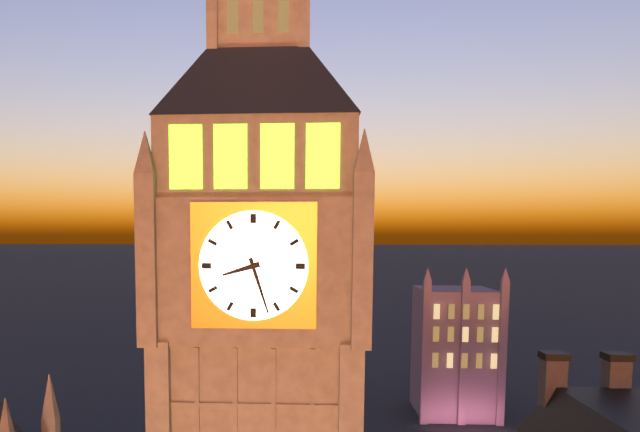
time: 8:27
